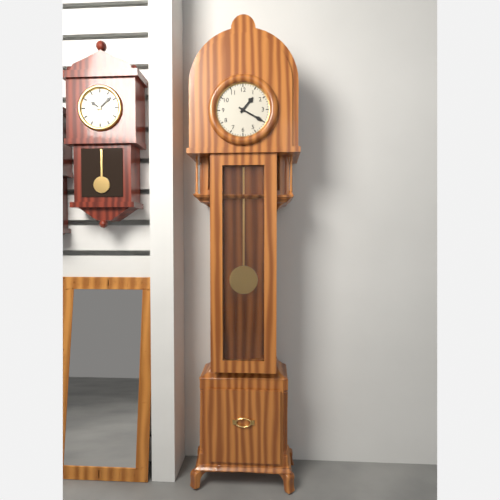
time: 1:20
